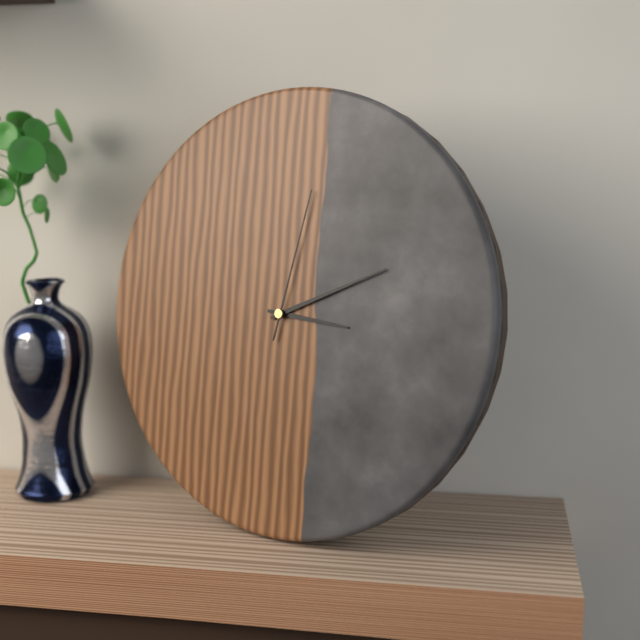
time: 3:11:02
